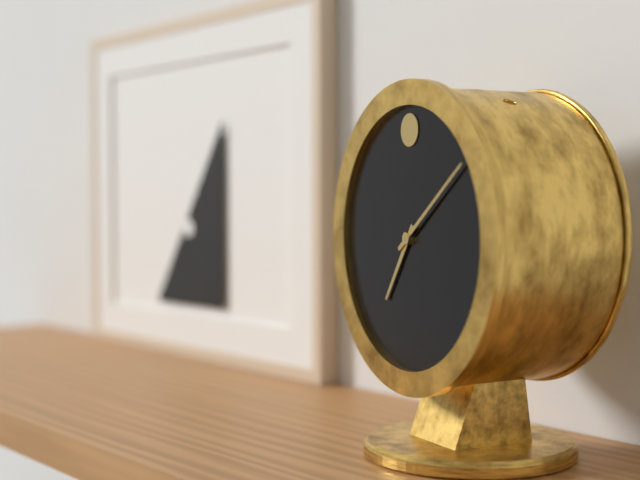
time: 7:09
